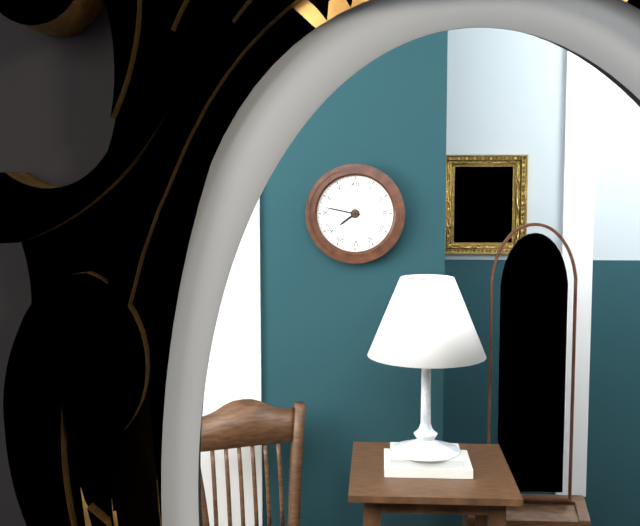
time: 7:47
